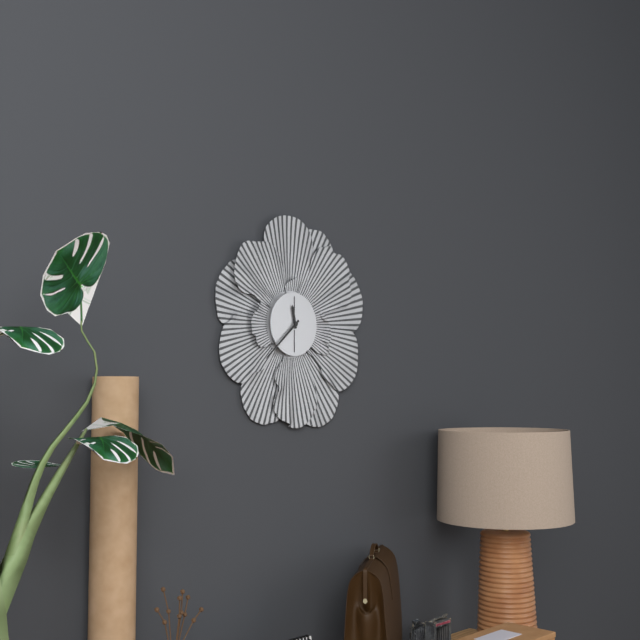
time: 11:38
